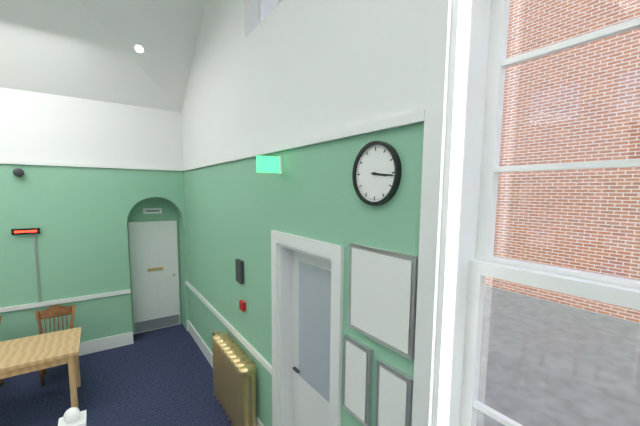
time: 3:16
